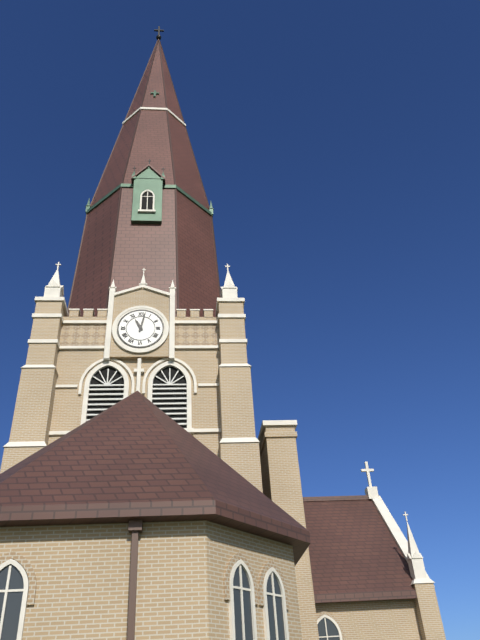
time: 11:02
